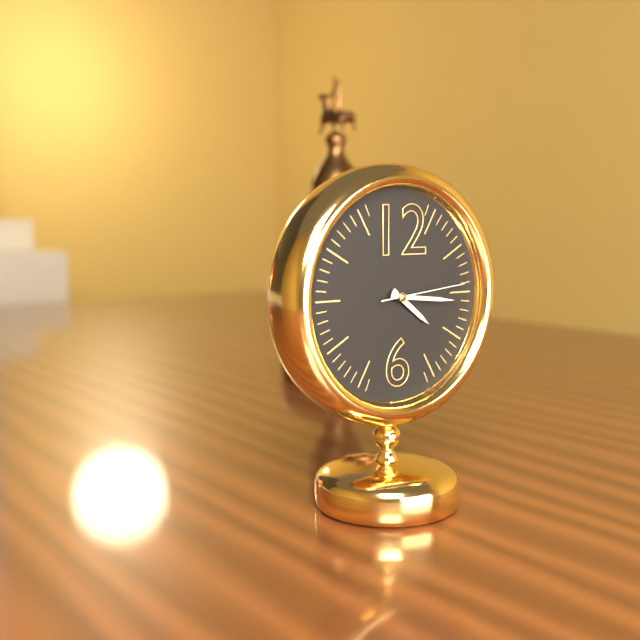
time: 4:16:14
